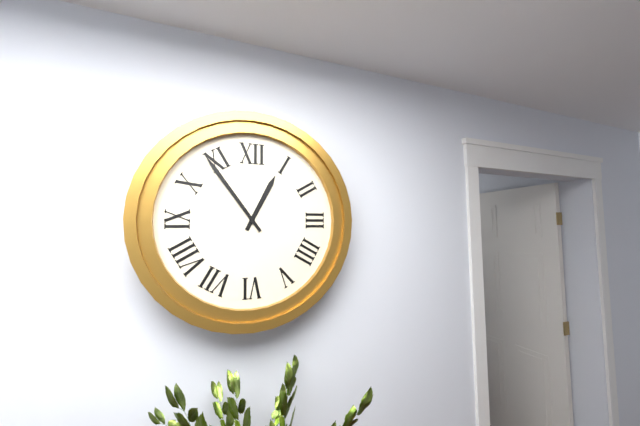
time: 12:54
